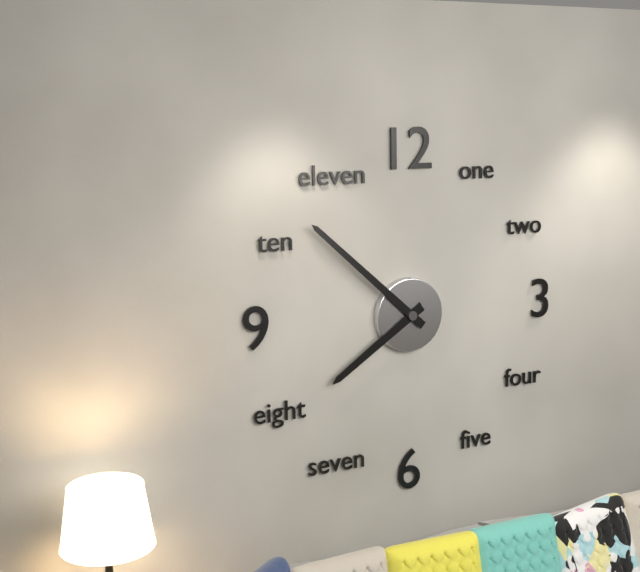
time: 7:52
